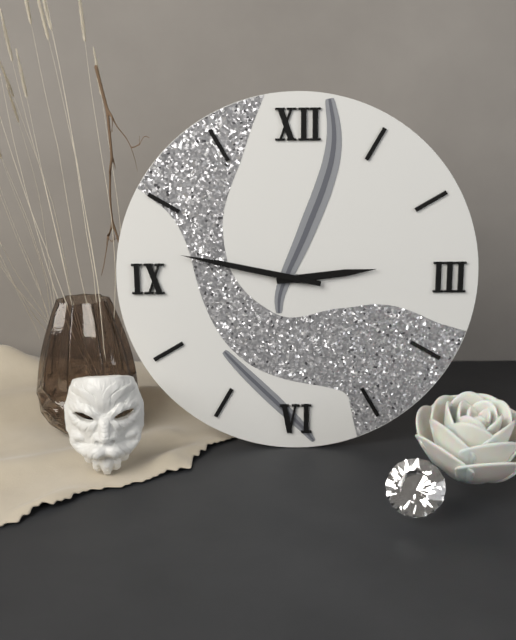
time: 2:47
